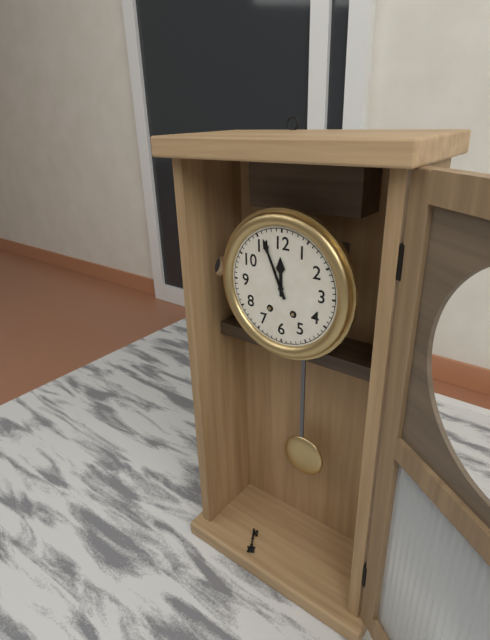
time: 11:56
